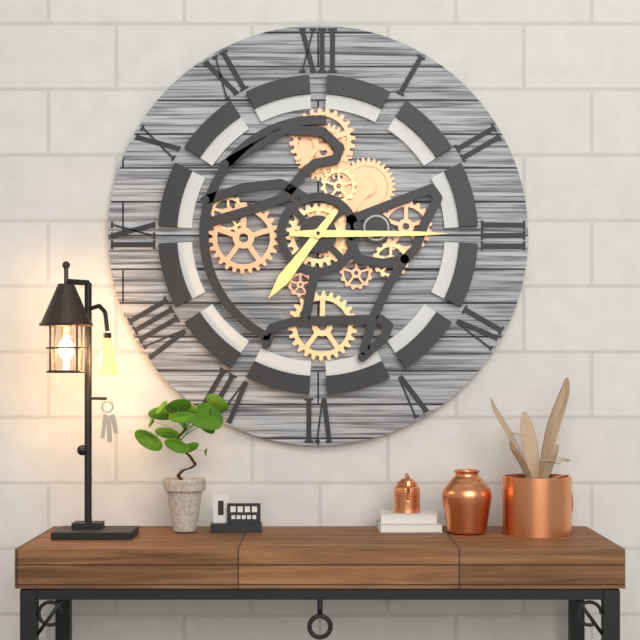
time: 7:15
